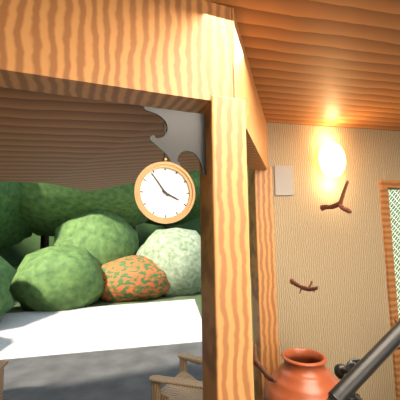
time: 3:54
